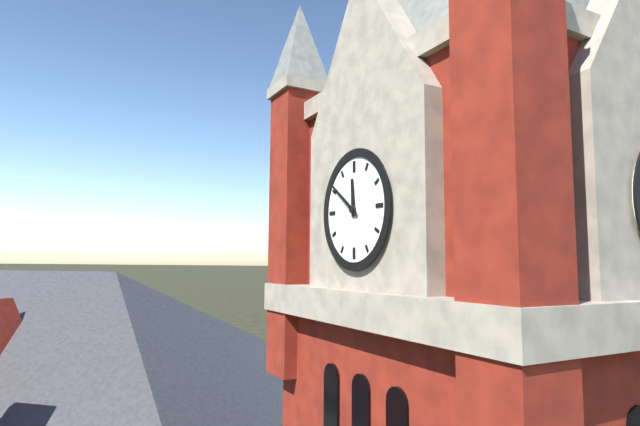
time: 11:51
